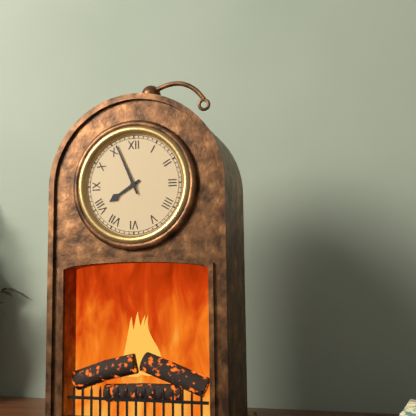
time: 7:56
